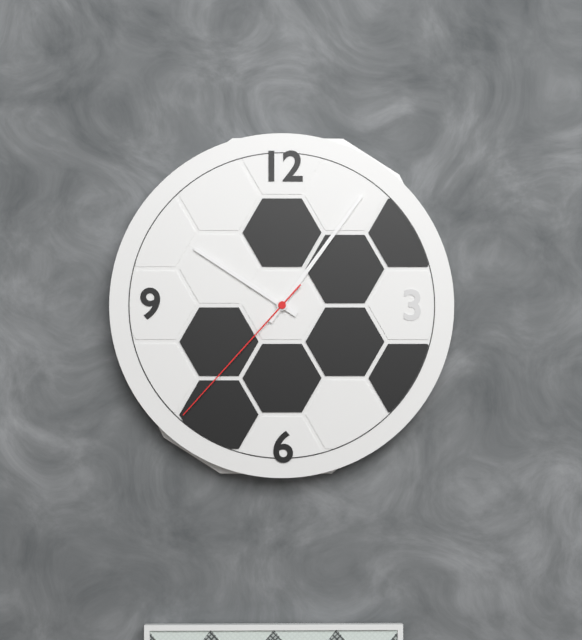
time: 10:06:37
